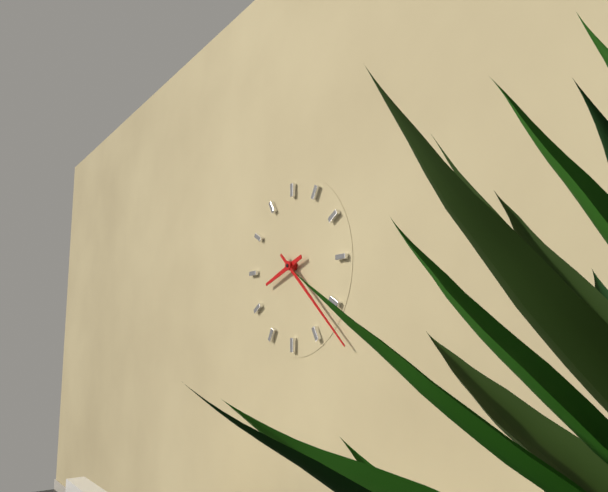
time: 8:22
